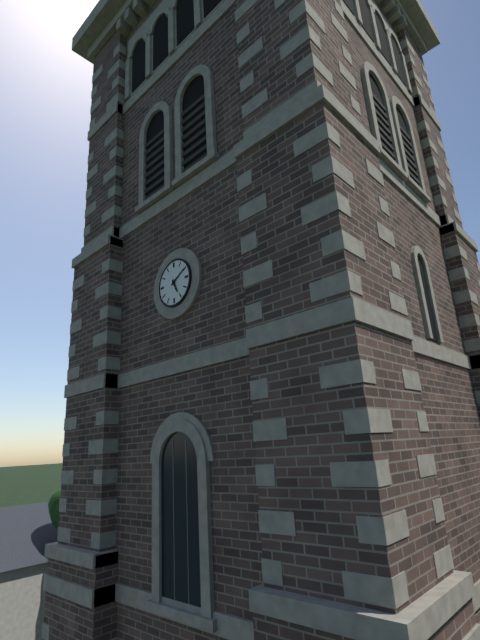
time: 5:10
